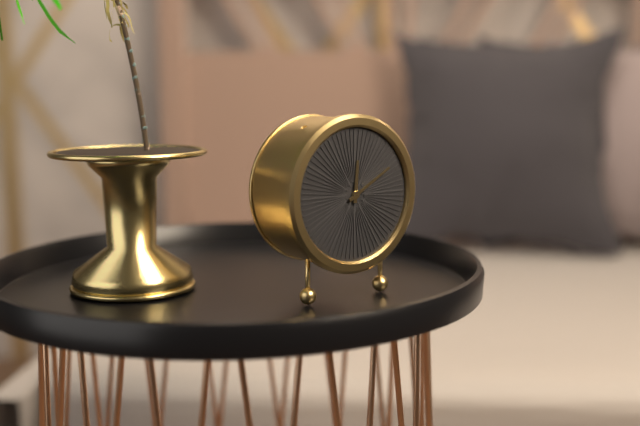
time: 12:10
